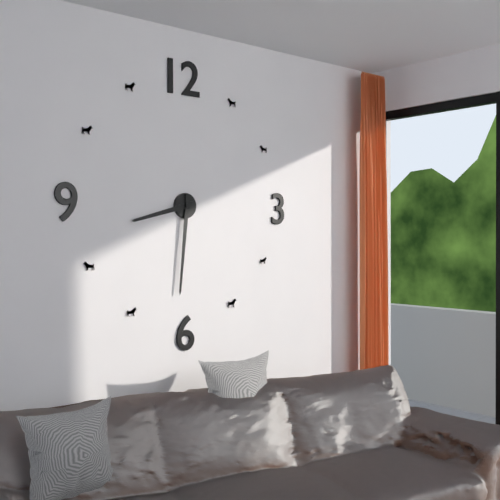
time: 8:31
